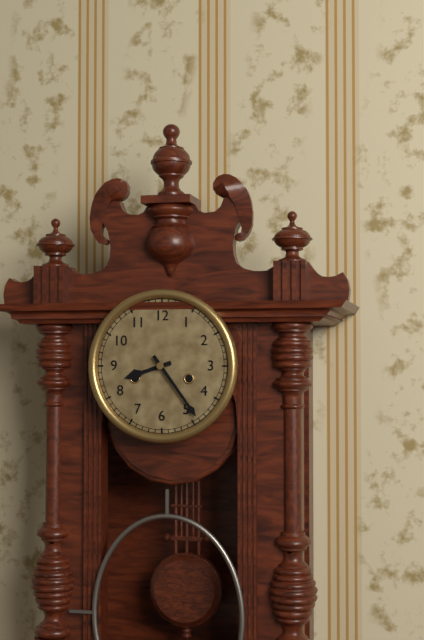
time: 8:24
